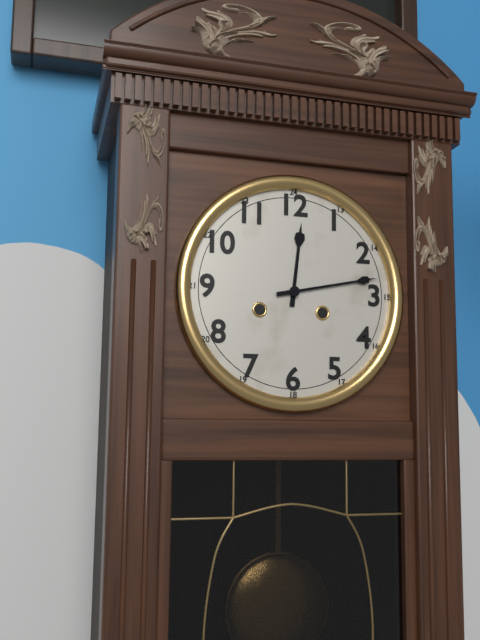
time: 12:13
